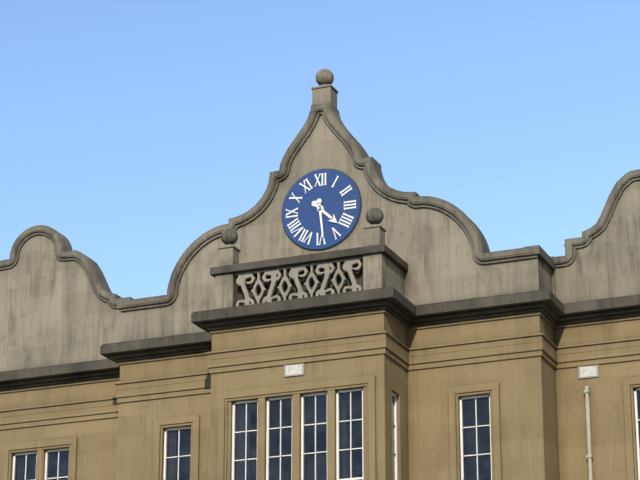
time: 4:29
